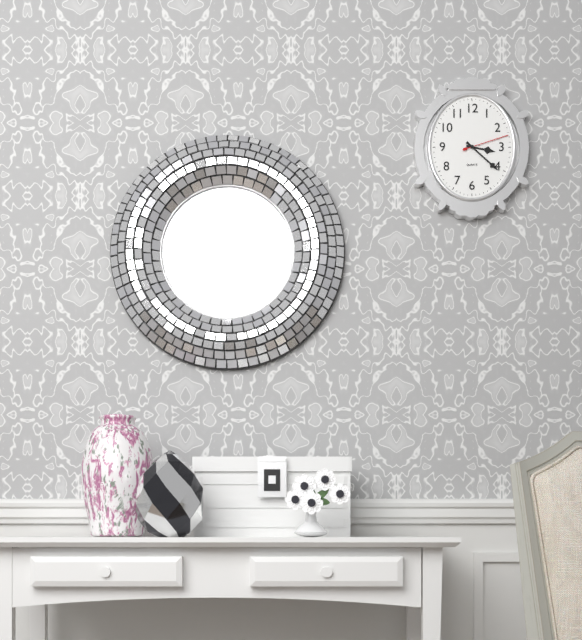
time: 3:22
